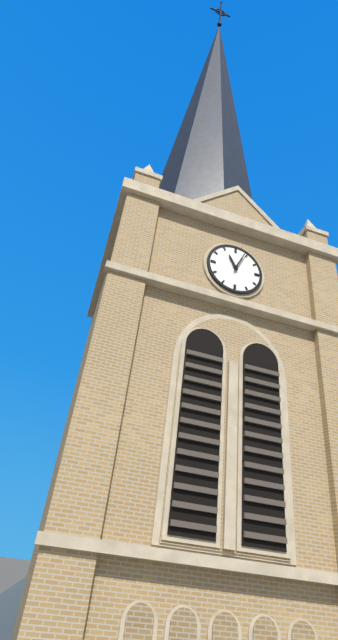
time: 11:04
